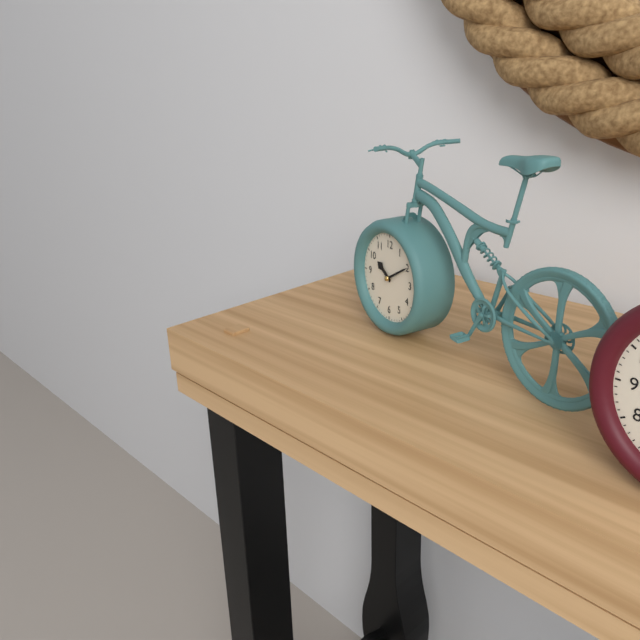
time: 10:10
